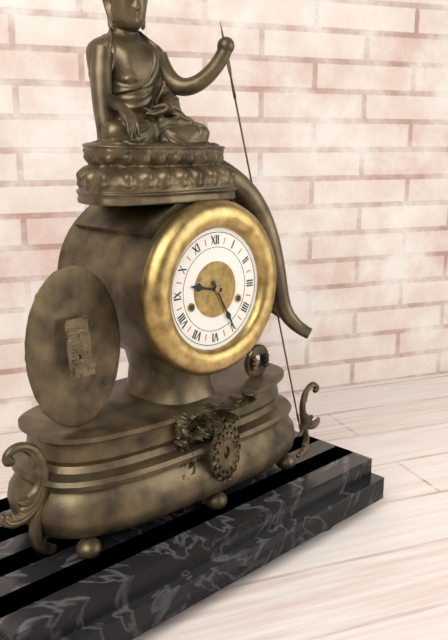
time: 9:25
